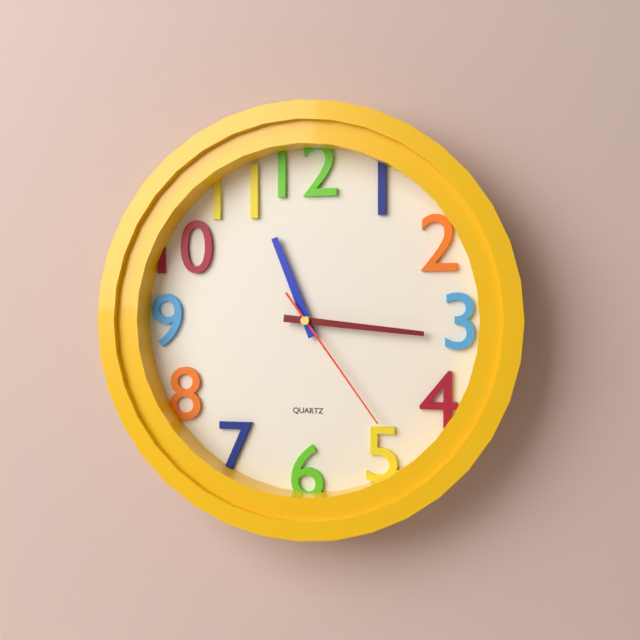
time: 11:16:24
